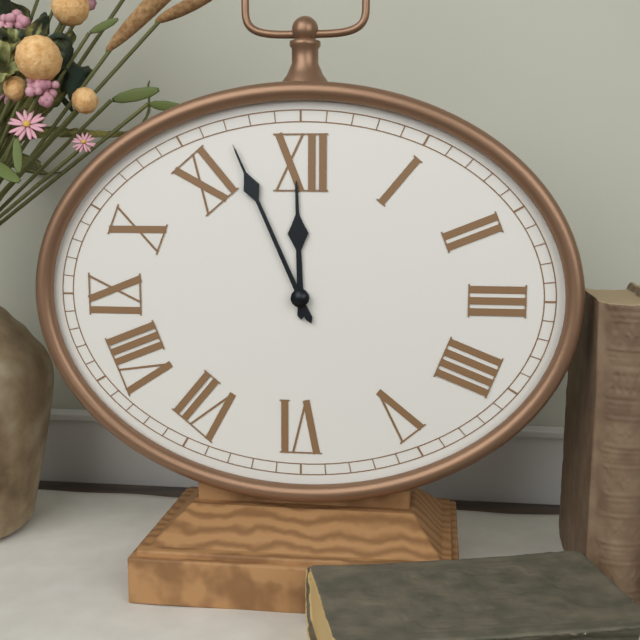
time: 11:56
